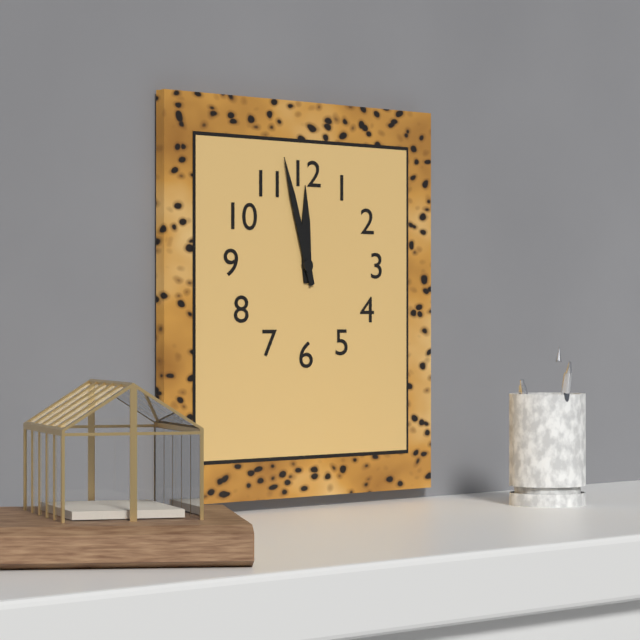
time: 11:57
